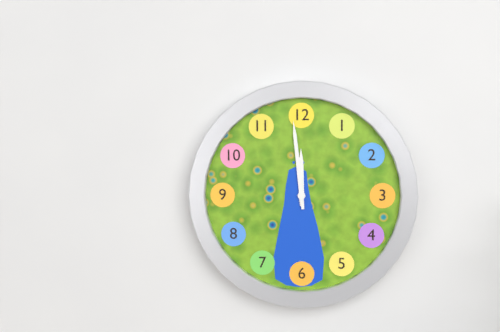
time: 11:59
